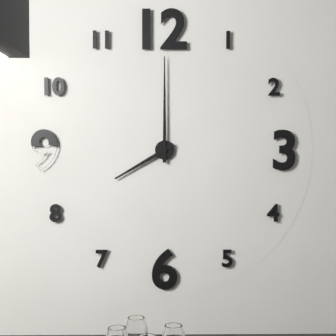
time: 8:00
